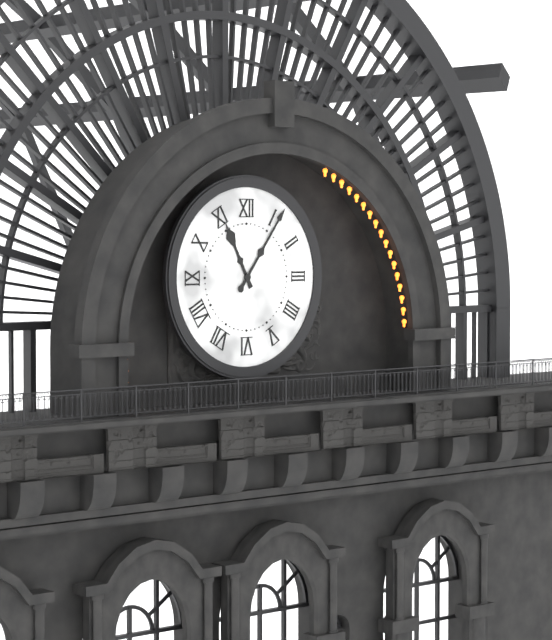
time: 11:06
